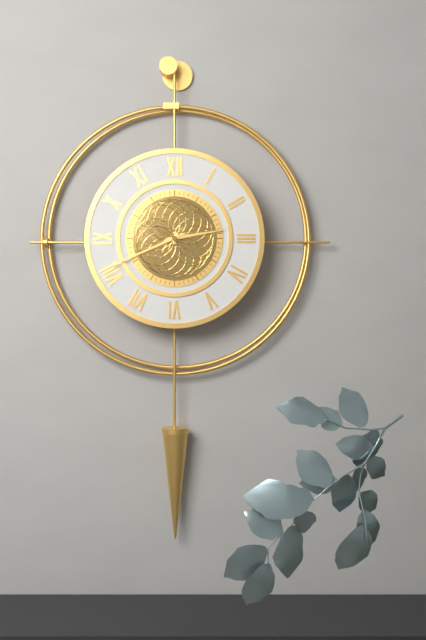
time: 2:41
